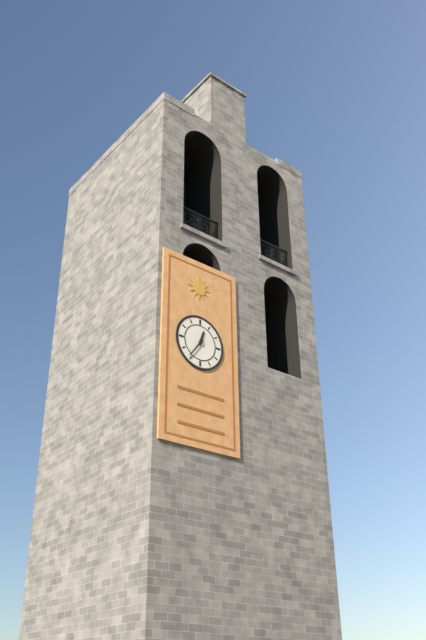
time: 12:36
